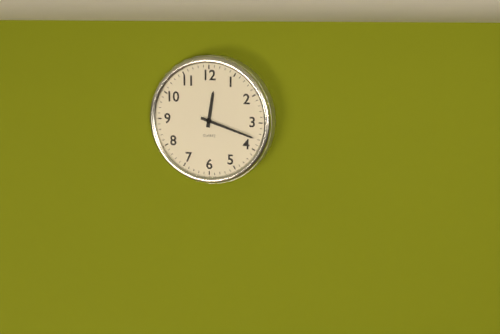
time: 12:18
